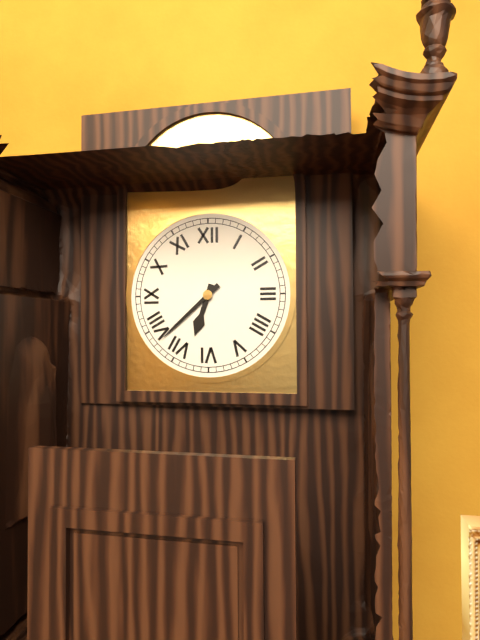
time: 6:38
